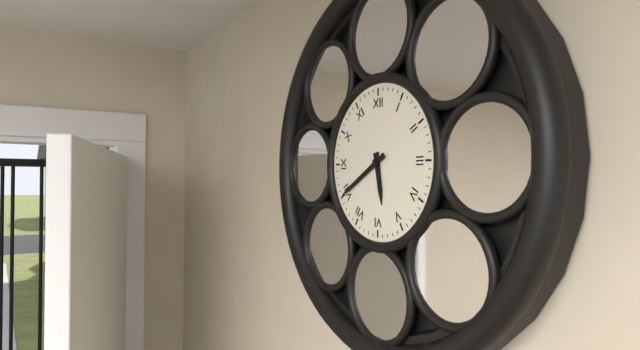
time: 5:40
